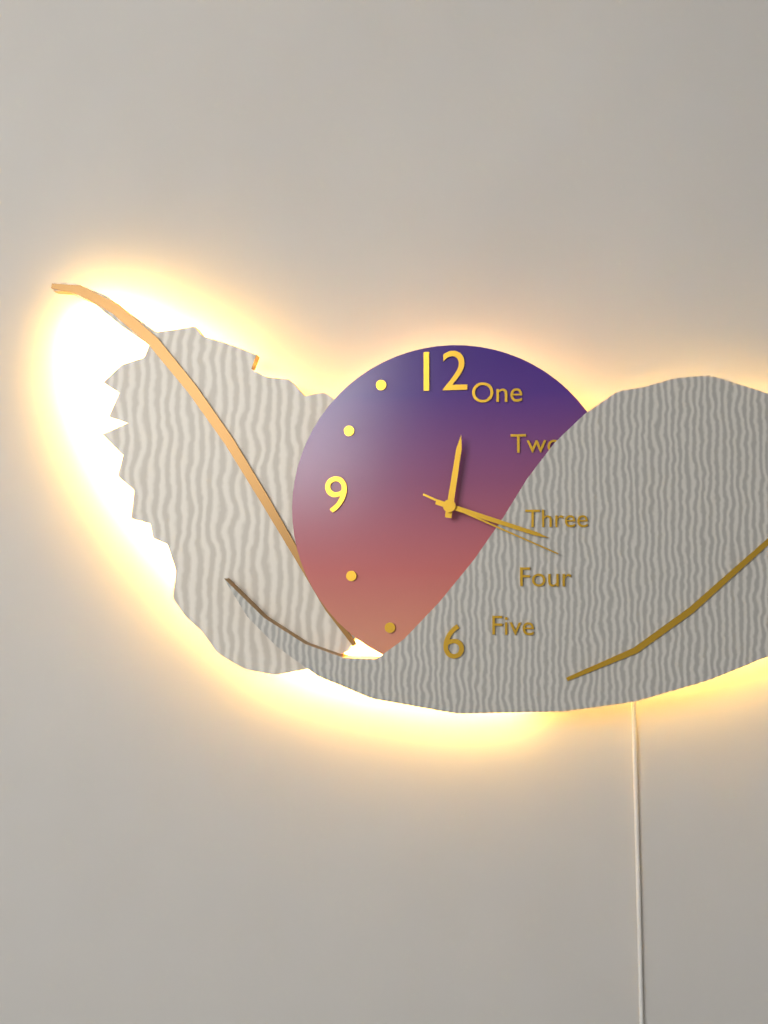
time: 12:18:19
